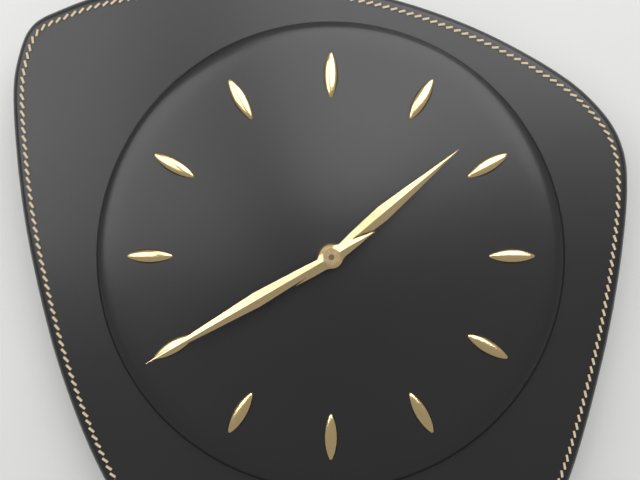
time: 1:40
